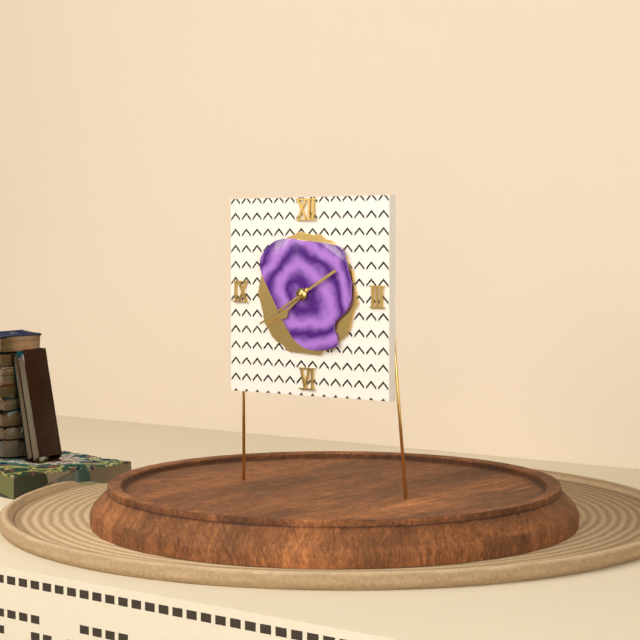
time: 7:40
